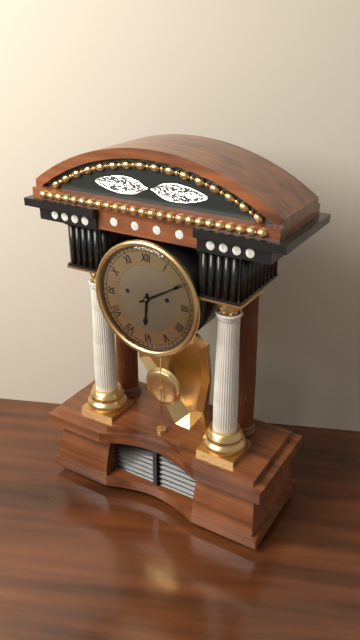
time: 6:10
